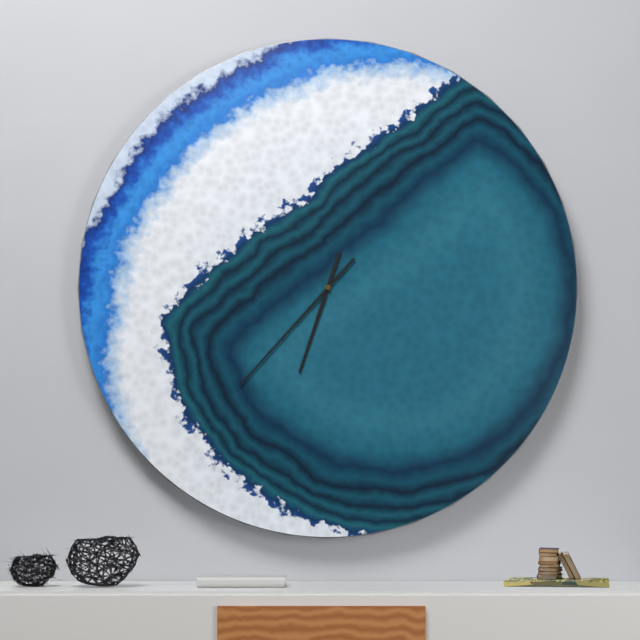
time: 6:37
